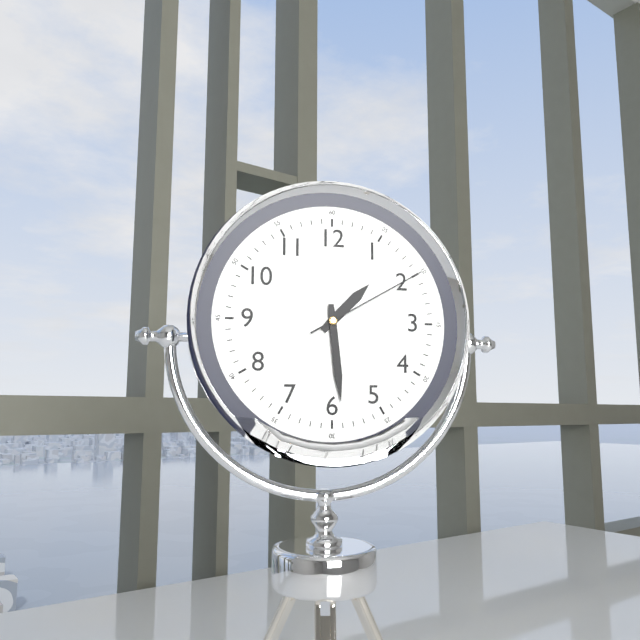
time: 1:29:10
